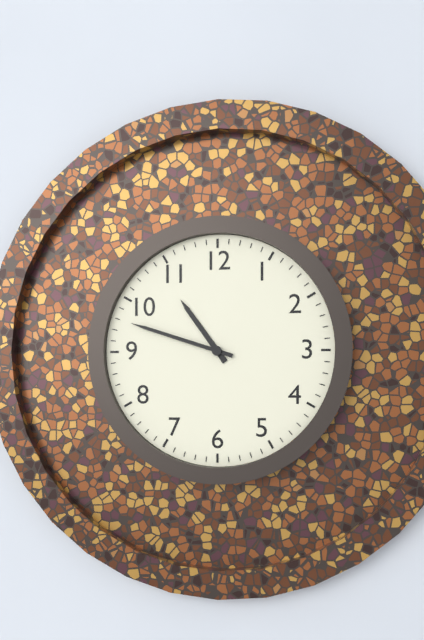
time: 10:48
